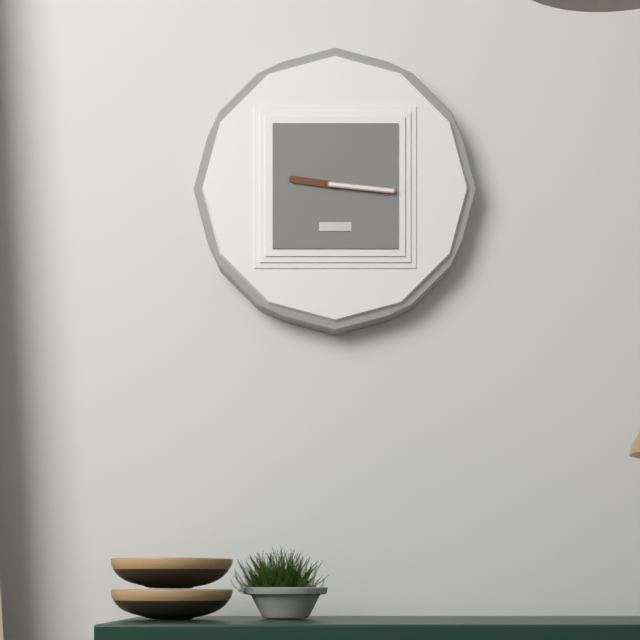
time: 9:16
